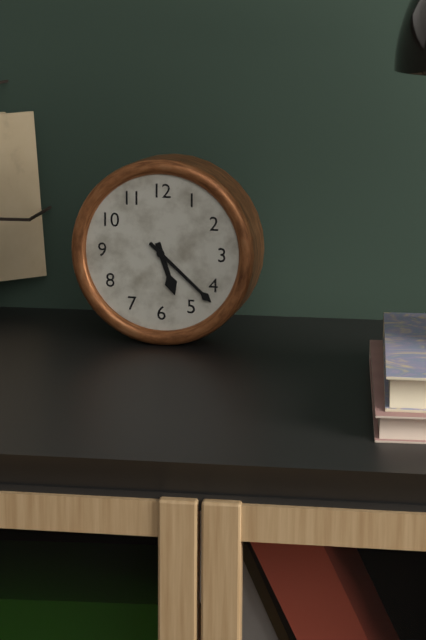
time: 5:22
